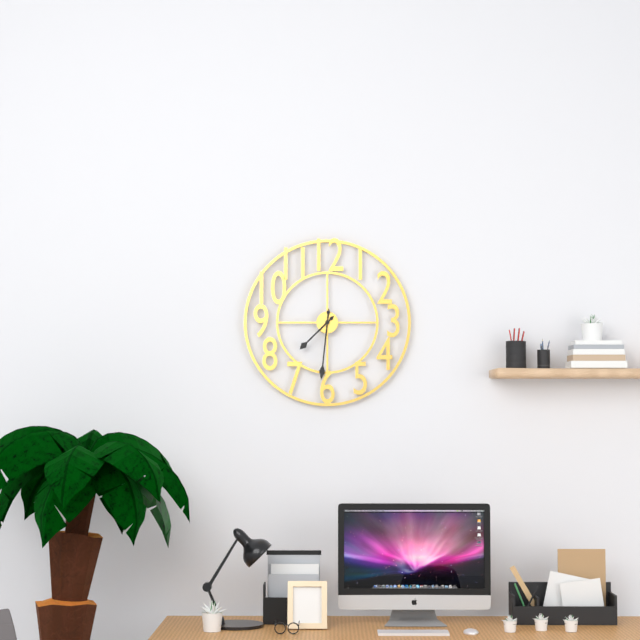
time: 7:31
